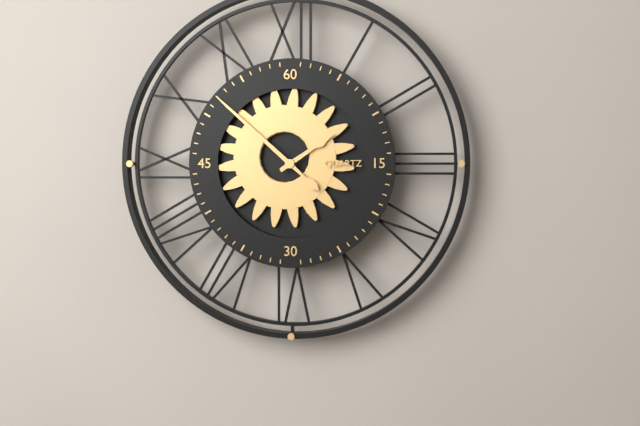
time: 1:52
